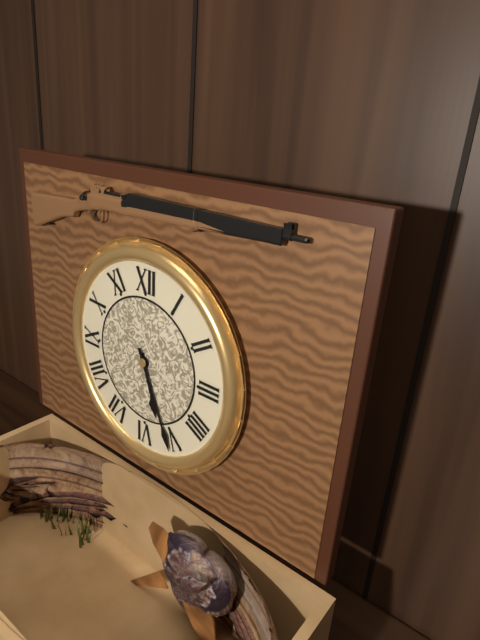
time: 5:26
